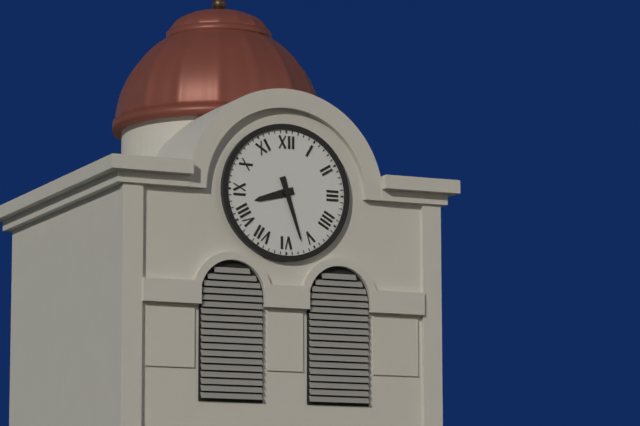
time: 8:27
